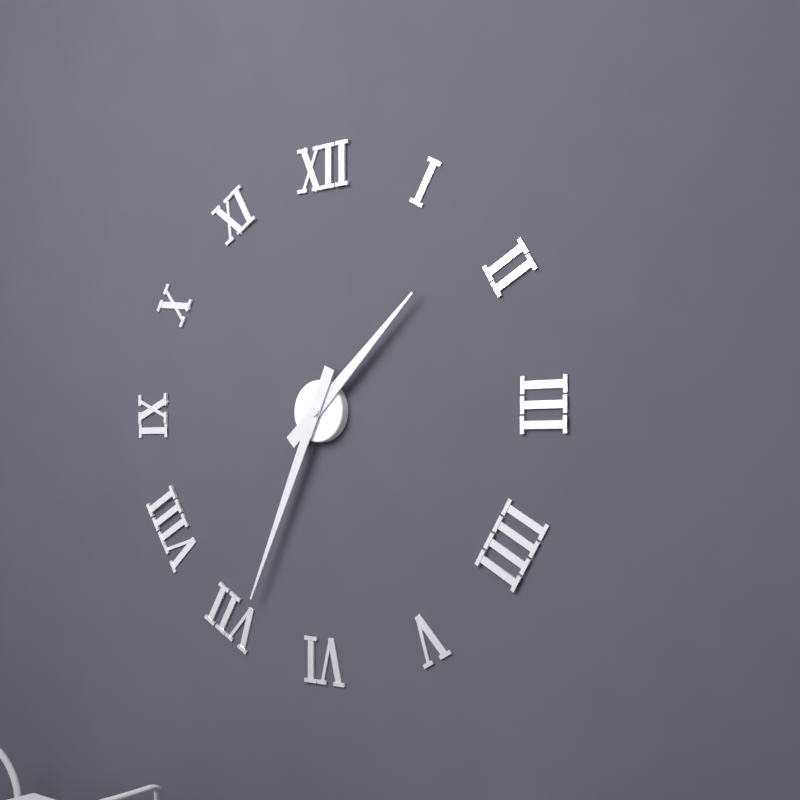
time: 1:34
